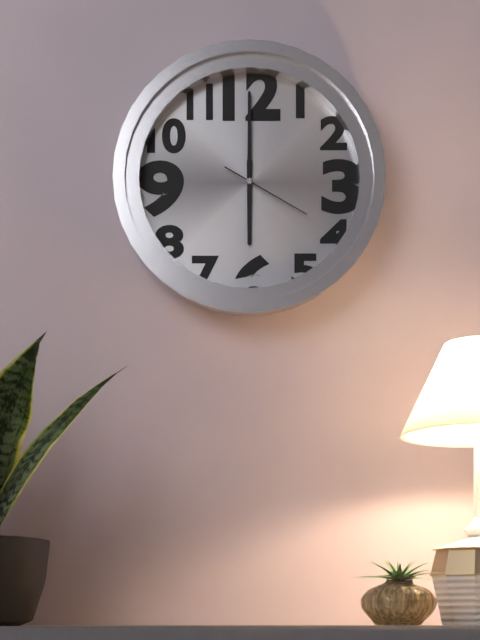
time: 6:00:20
